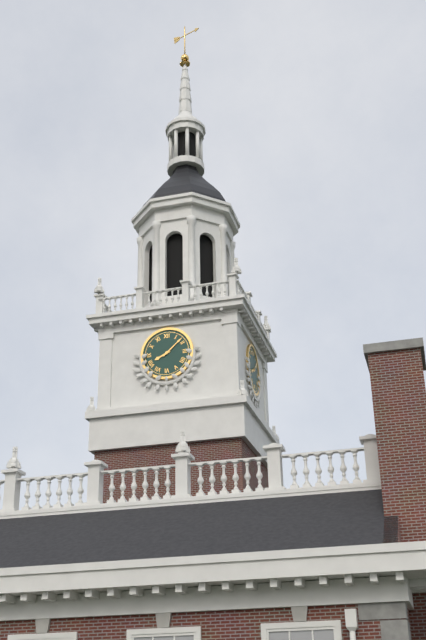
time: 8:08
